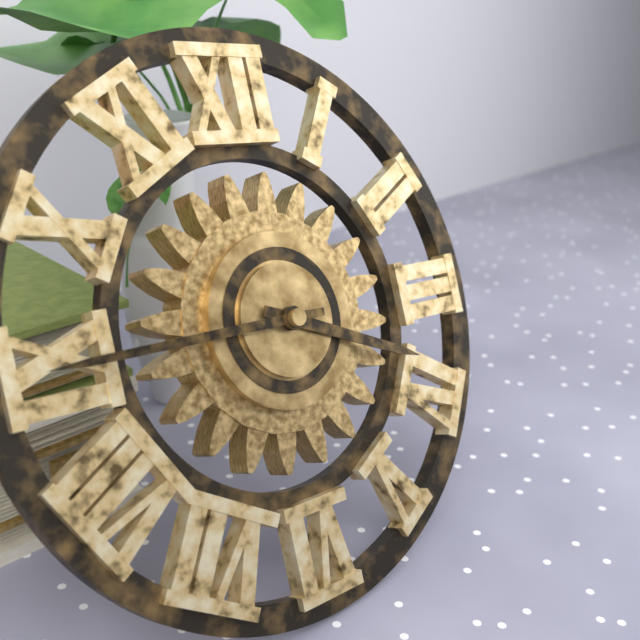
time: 3:45
